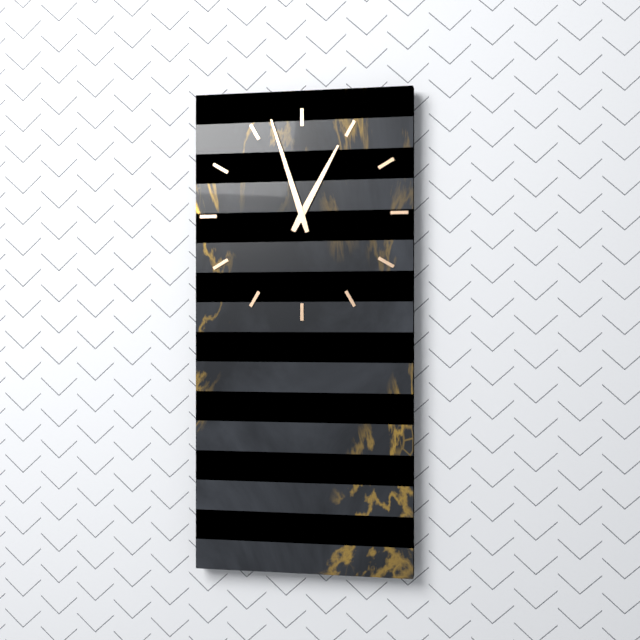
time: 12:57
